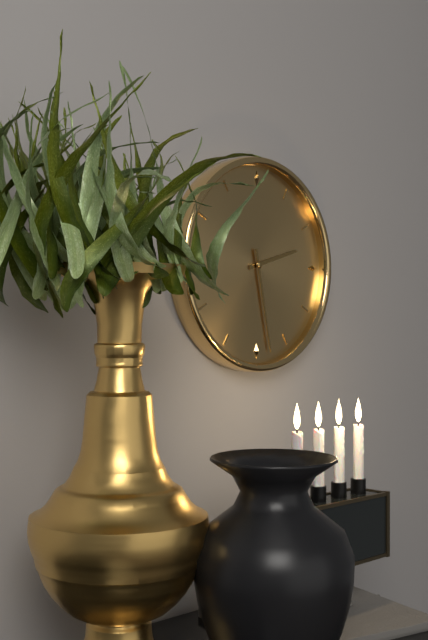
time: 2:28
